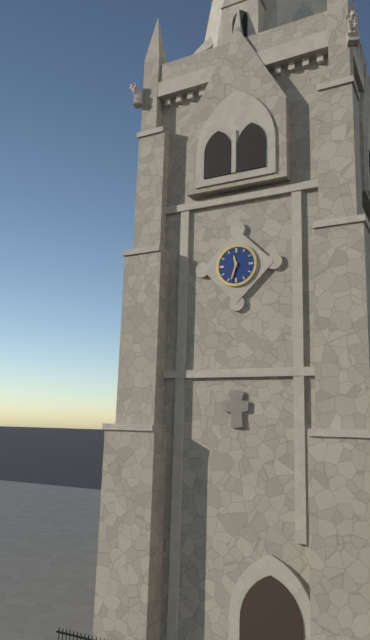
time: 11:33
